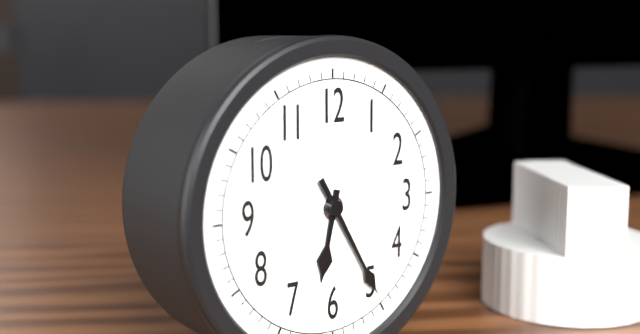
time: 6:25
